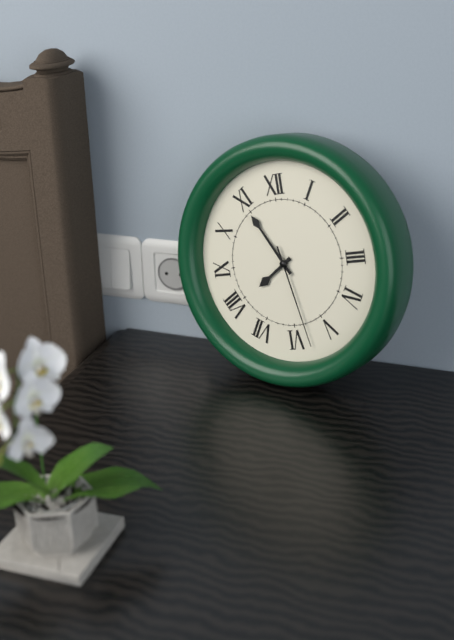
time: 7:55:28
